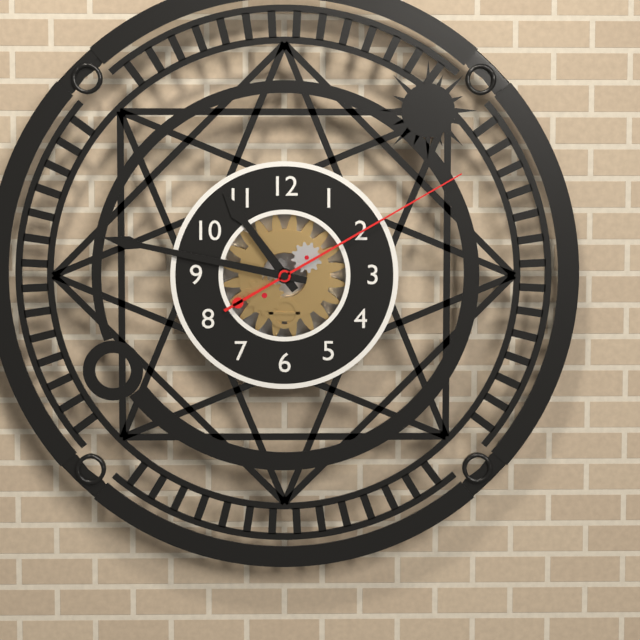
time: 10:47:10
